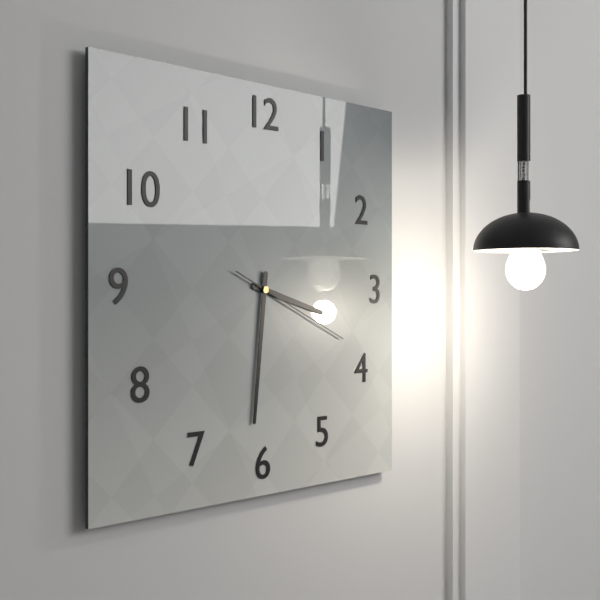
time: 3:31:19
